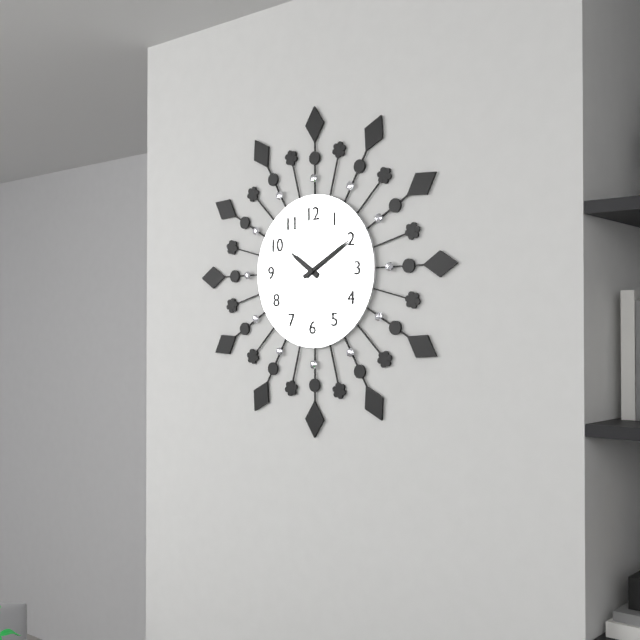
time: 10:10
